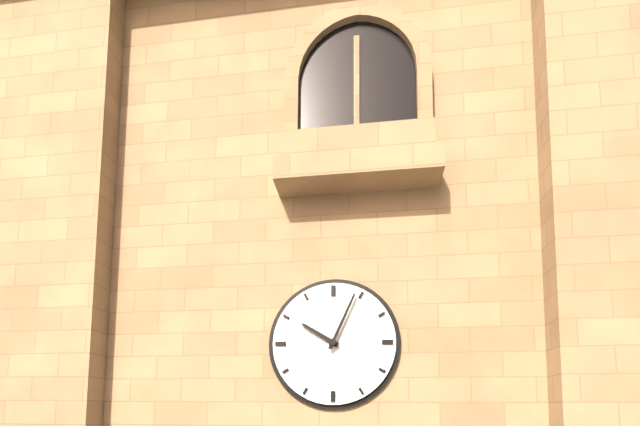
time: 10:04
